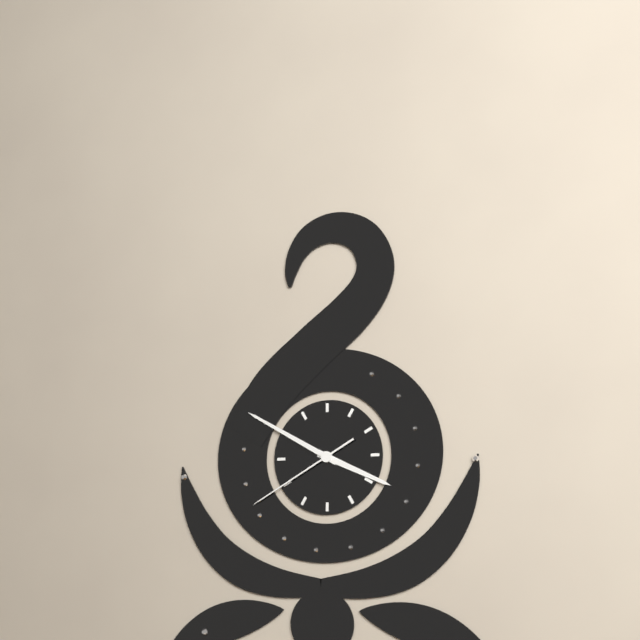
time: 3:50:40
